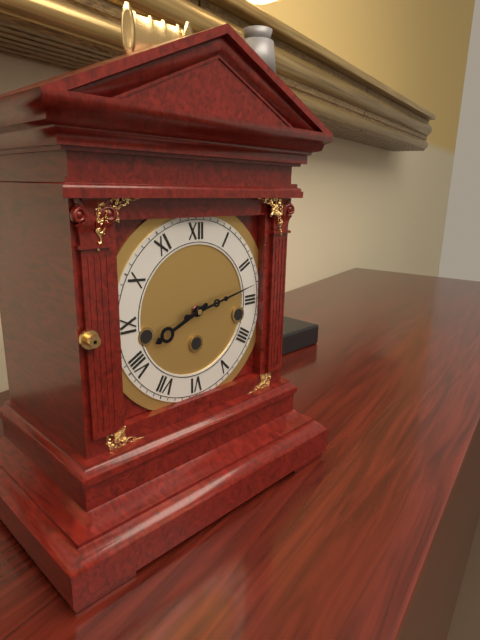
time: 8:13
